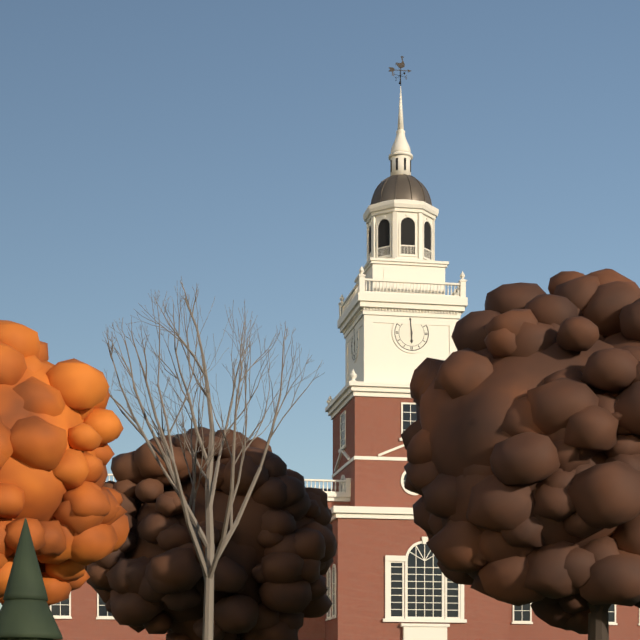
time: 5:59
